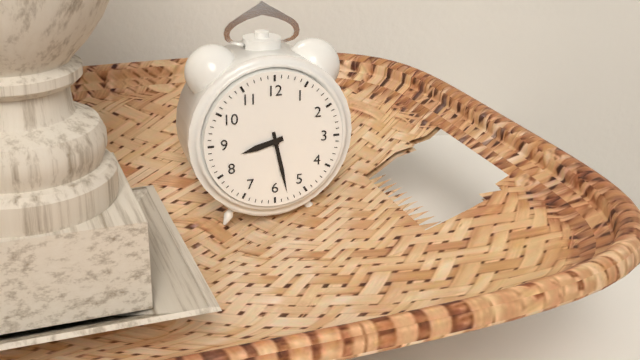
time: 8:28
